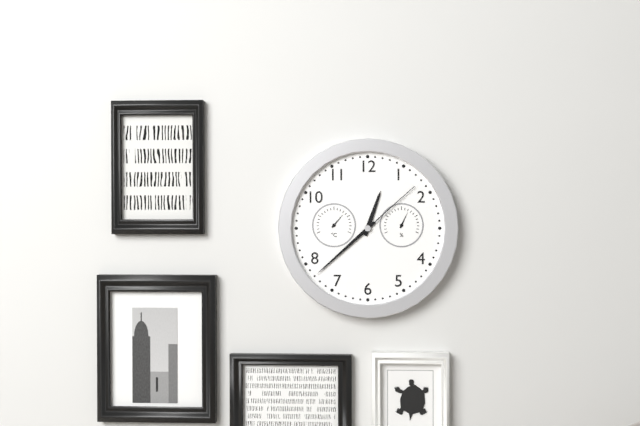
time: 12:38:08
